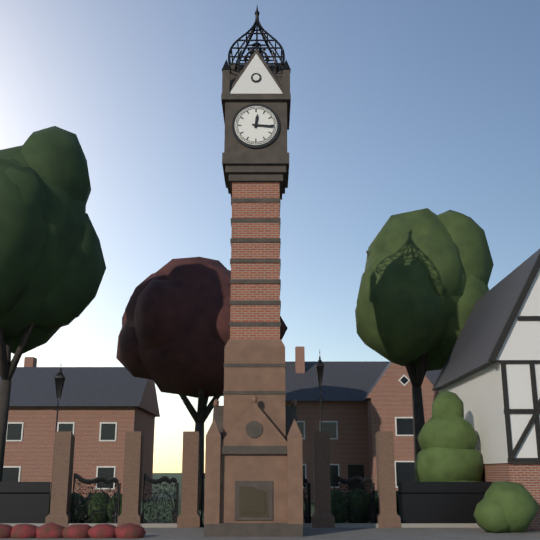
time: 12:16
